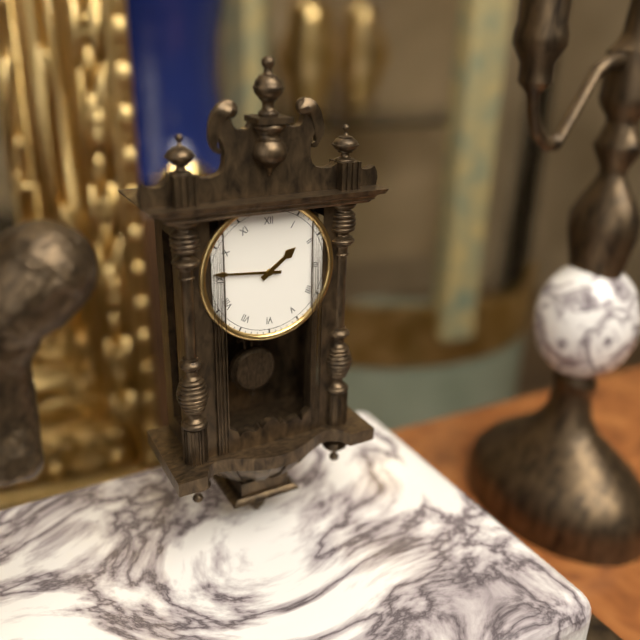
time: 1:46
